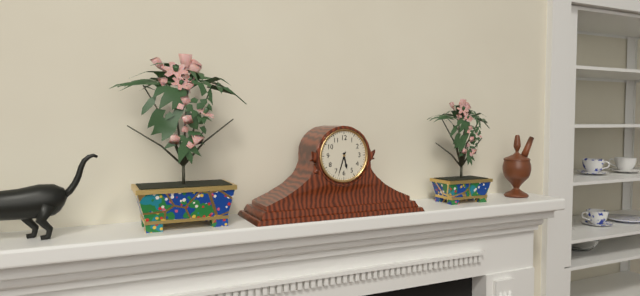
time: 5:33
